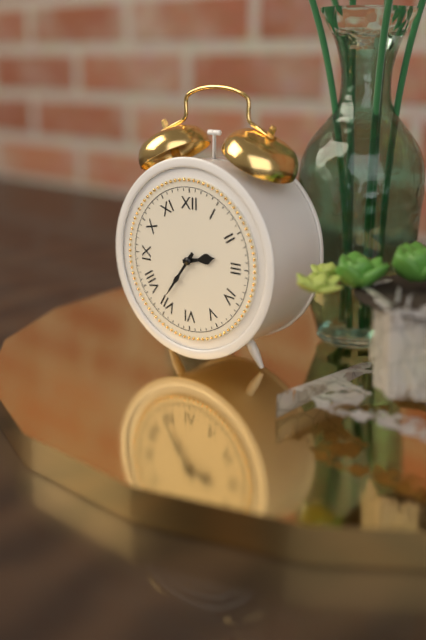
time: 2:36
